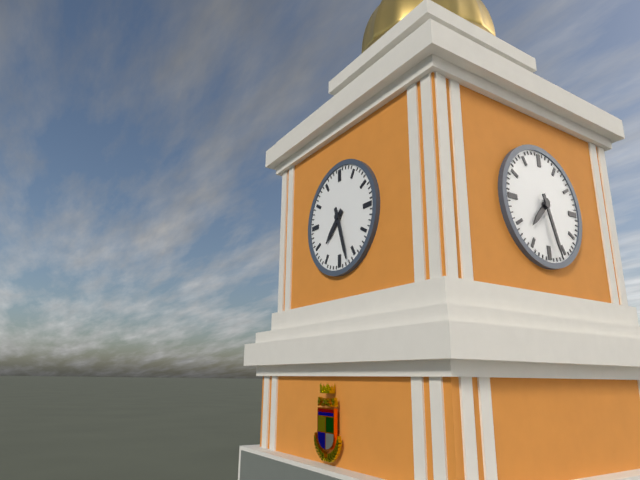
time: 7:27
